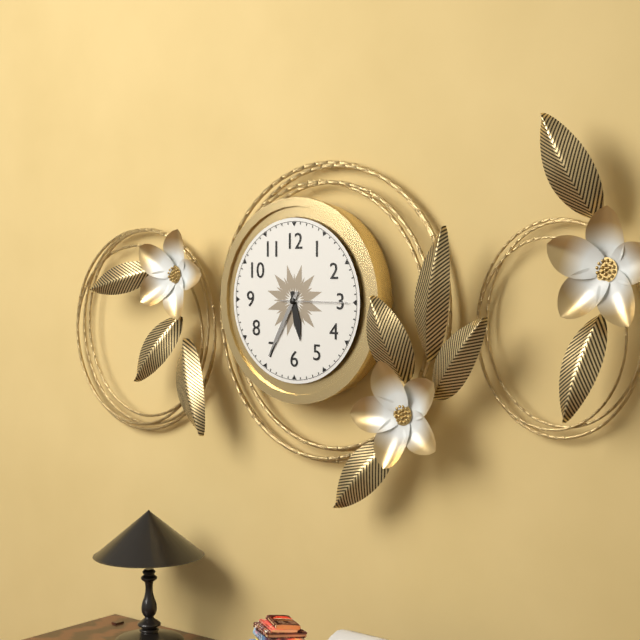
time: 5:35:15
